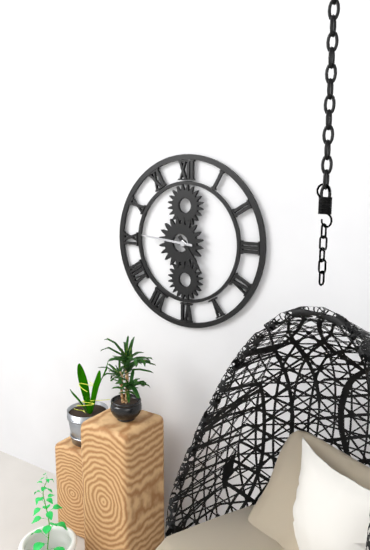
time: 4:46
